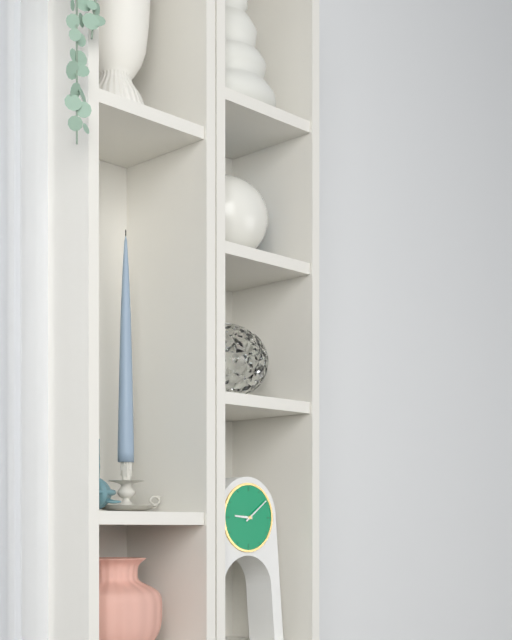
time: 9:09
